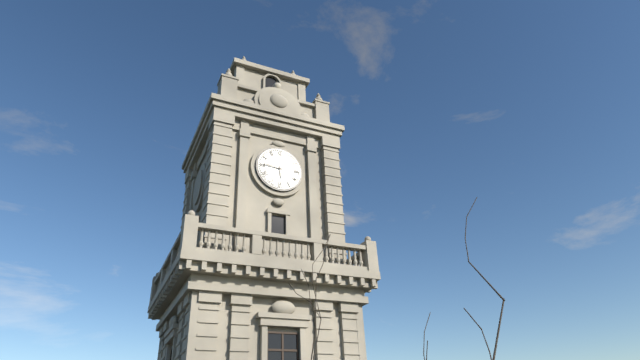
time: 5:46
